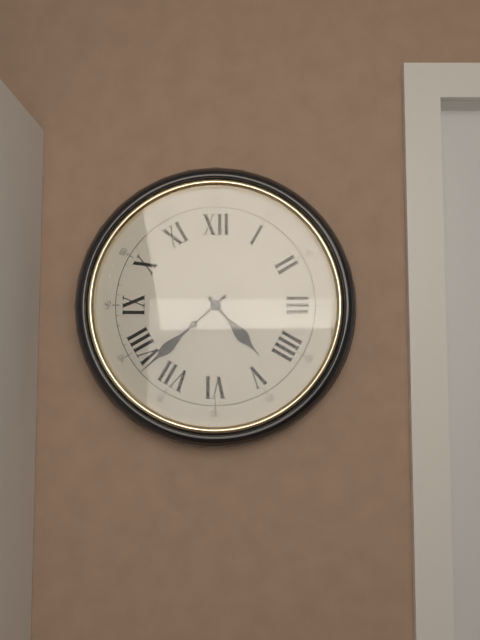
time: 4:38
